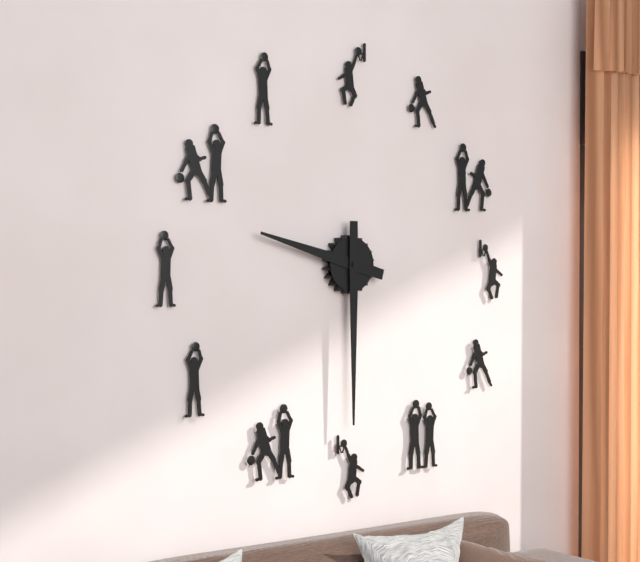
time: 9:30
